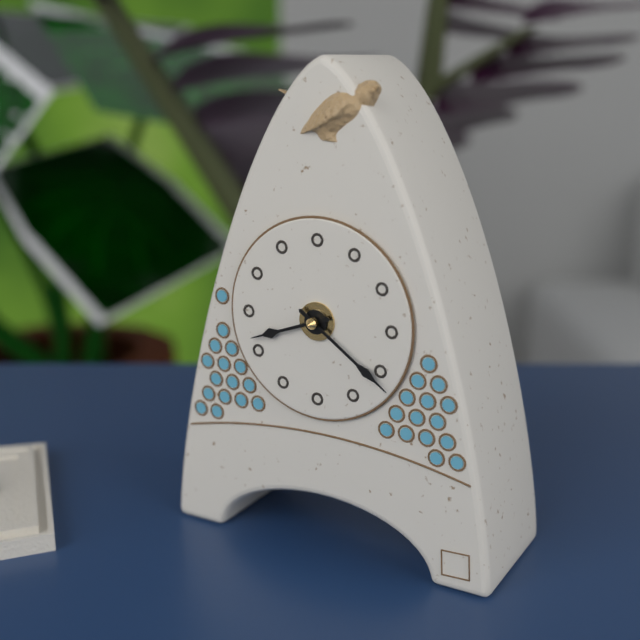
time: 8:21
